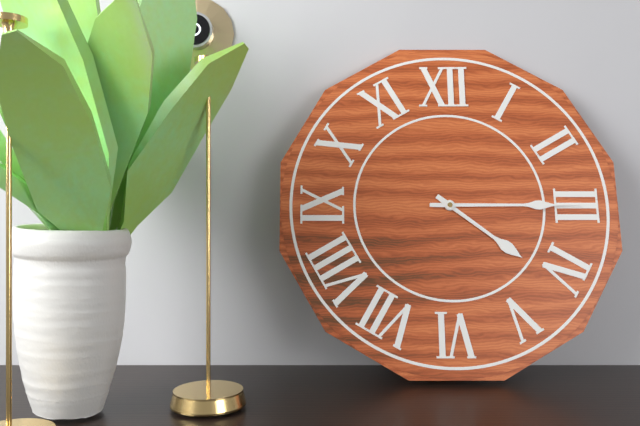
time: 4:15
